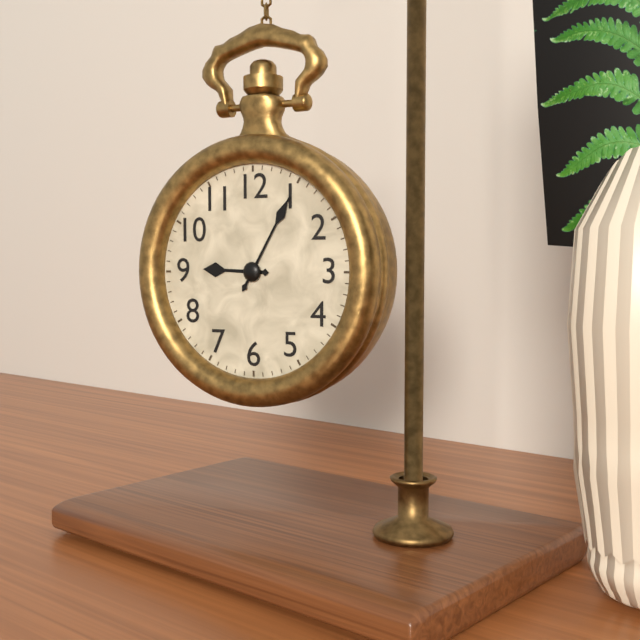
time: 9:05
